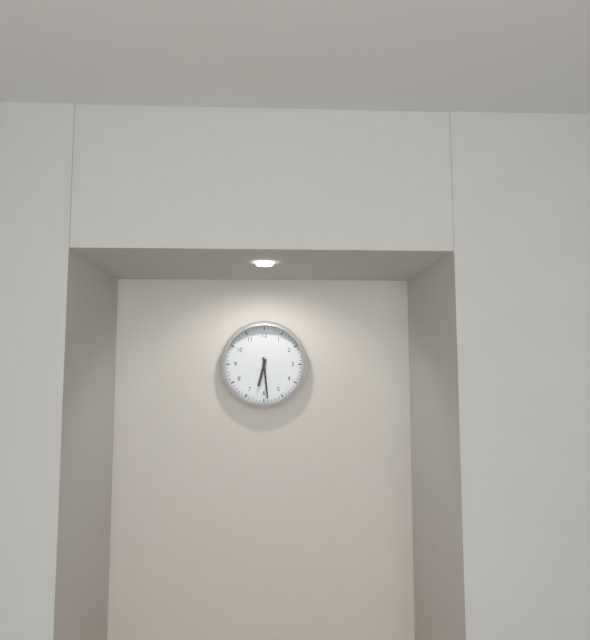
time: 6:29
